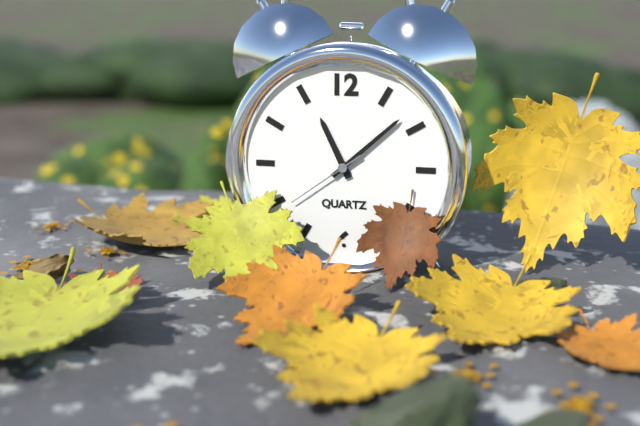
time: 11:08:39
